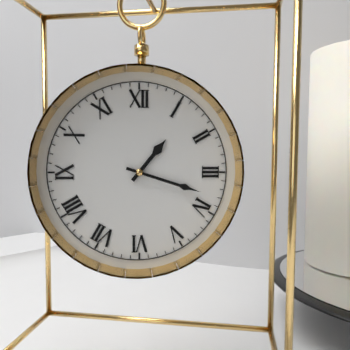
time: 1:18
